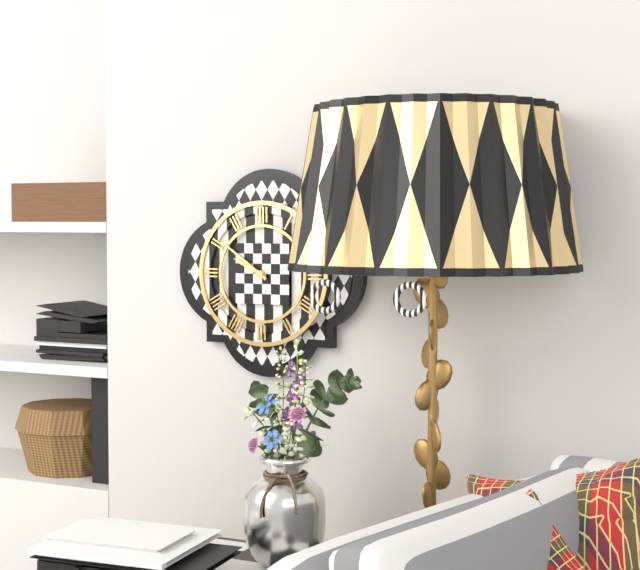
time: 9:51
